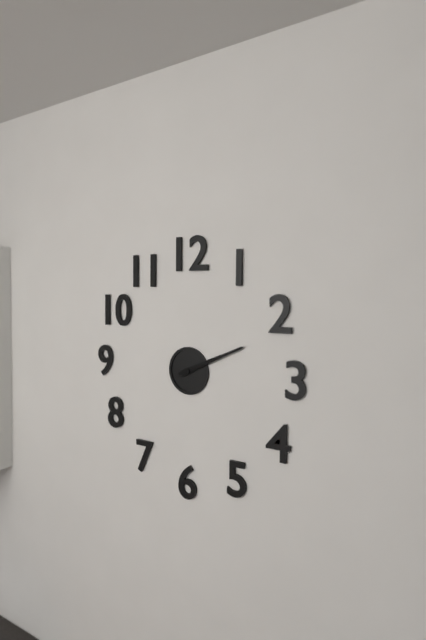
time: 2:11
